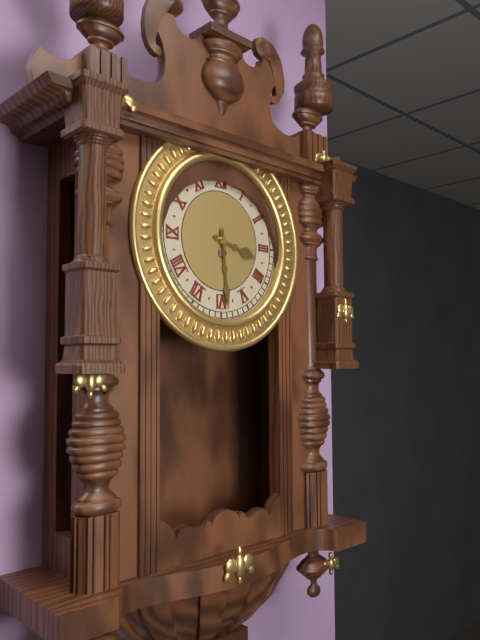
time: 3:29
